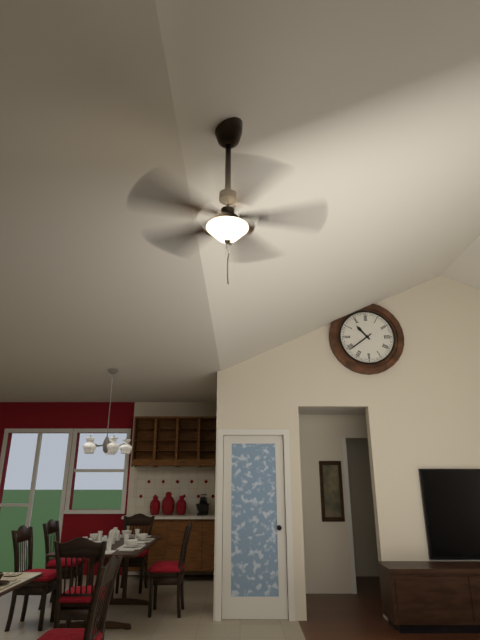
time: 10:39
